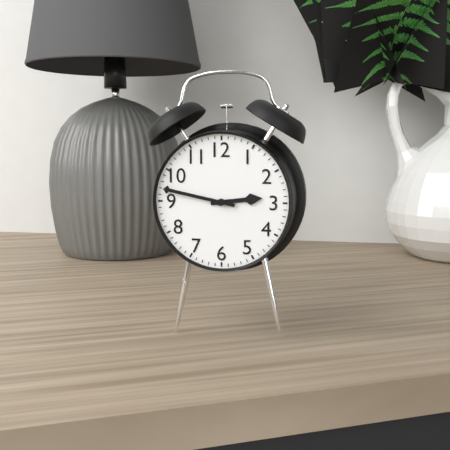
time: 2:47
